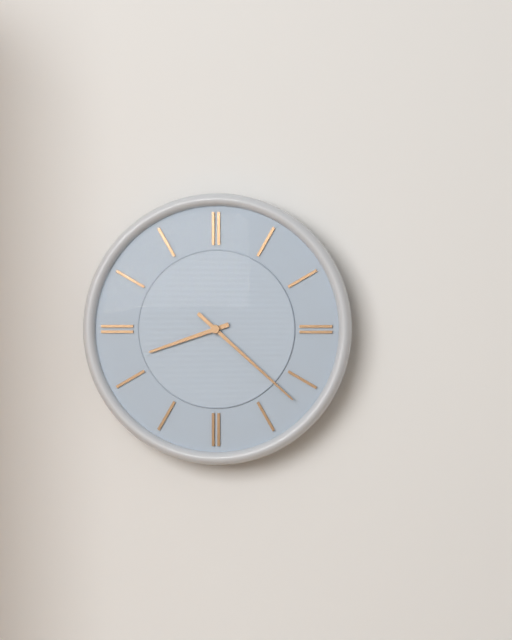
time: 8:22
